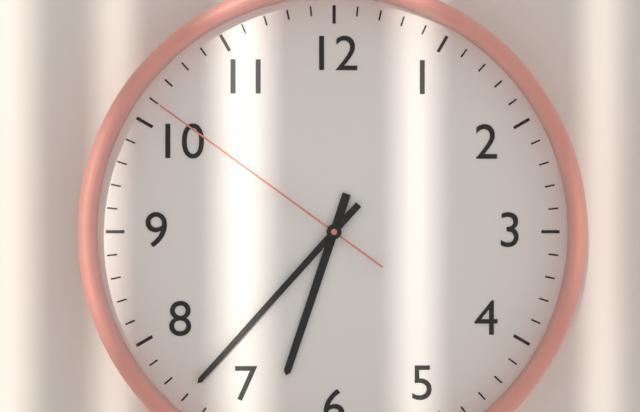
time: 6:37:51
